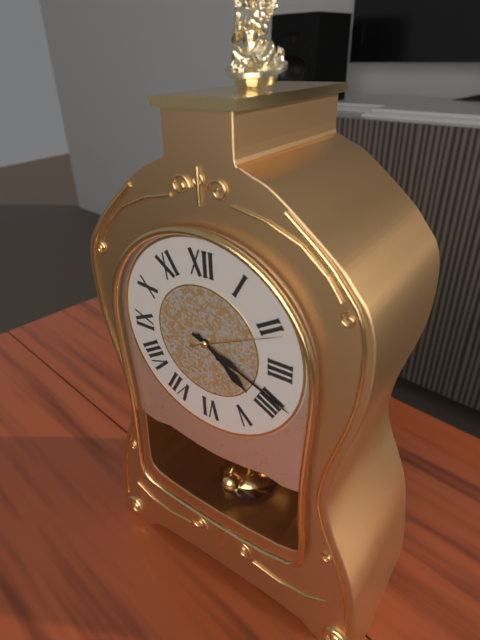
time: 4:19
